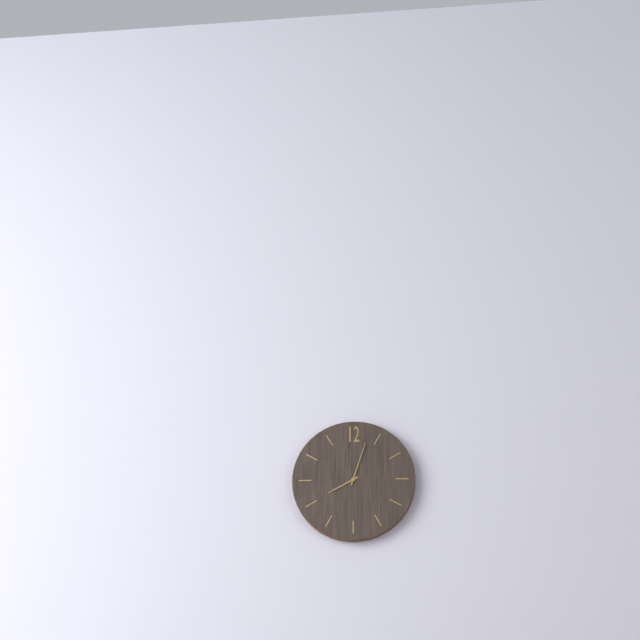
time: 8:03
